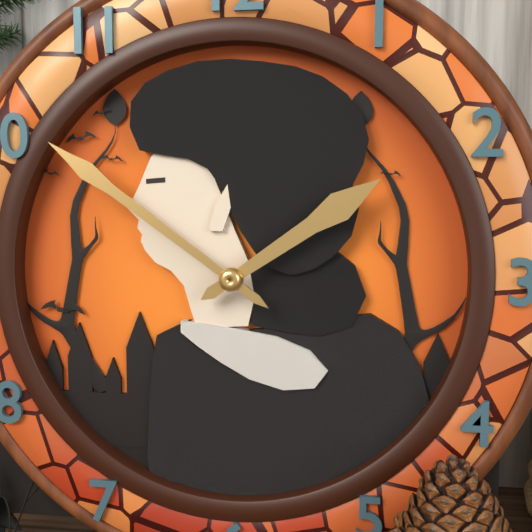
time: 1:51
